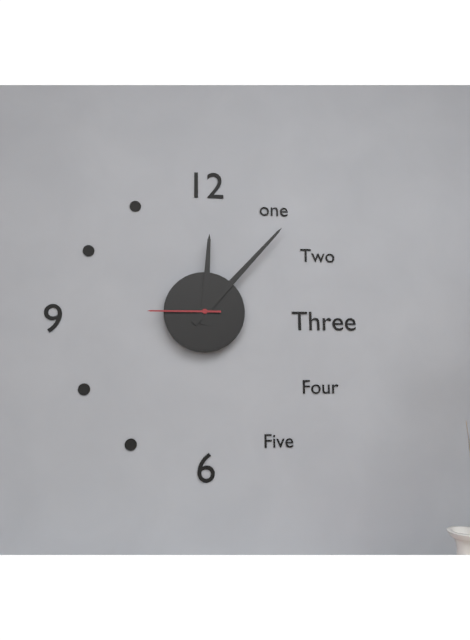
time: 12:07:45
